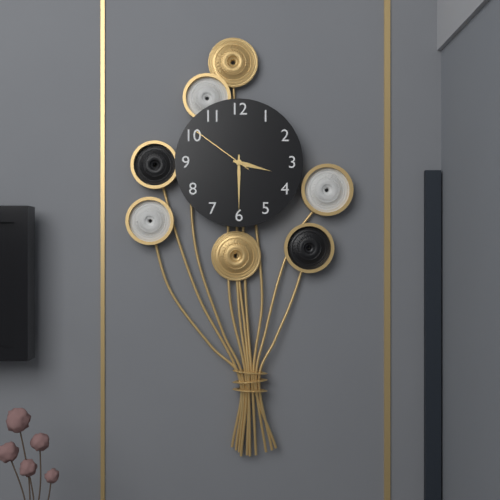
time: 3:30:51
